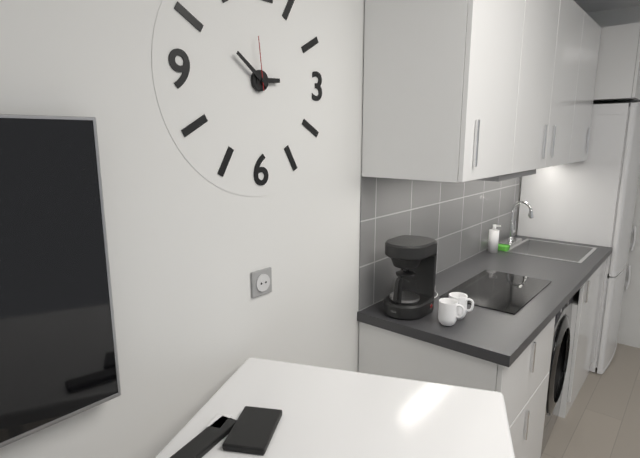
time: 2:51:59
